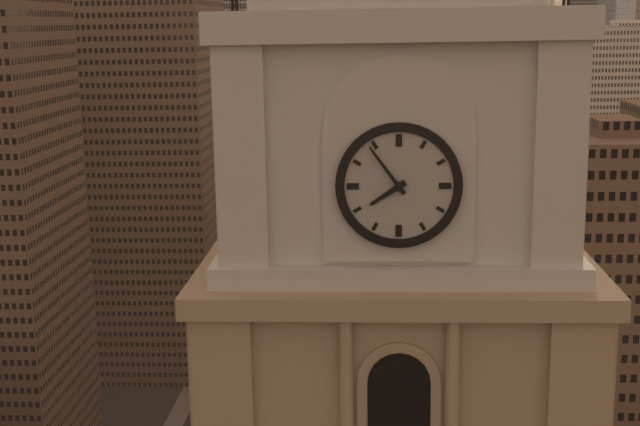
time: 7:54
